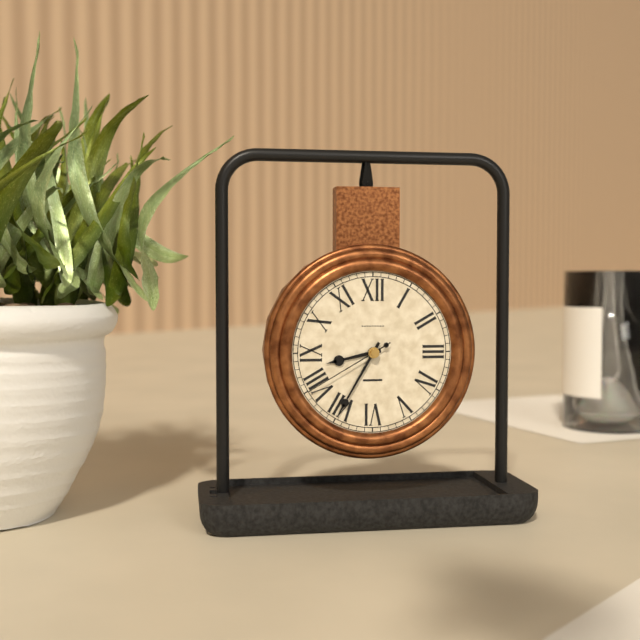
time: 8:35:40
